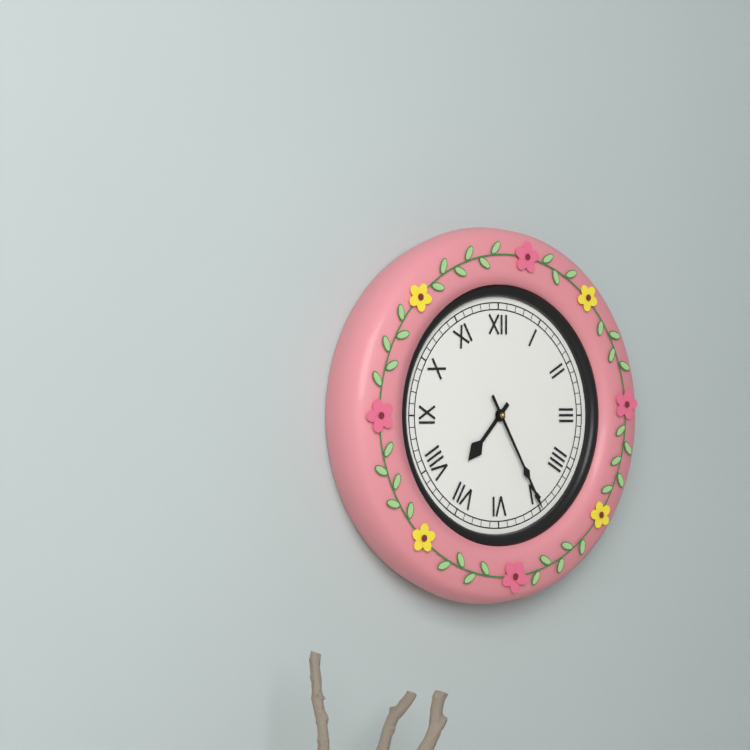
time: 7:25
